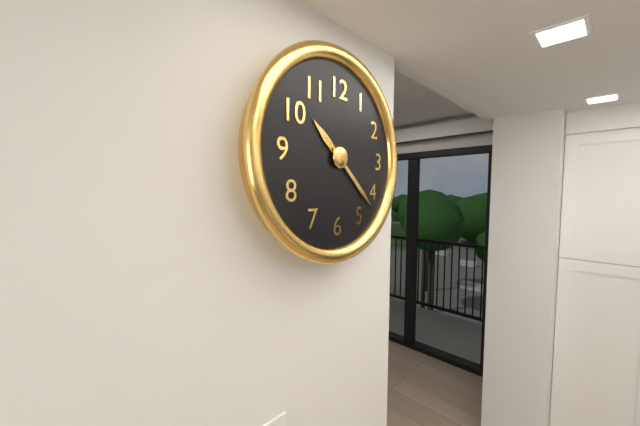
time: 10:22
